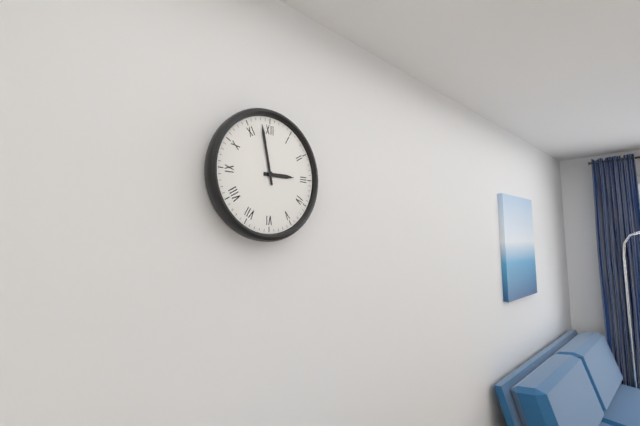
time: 2:58
